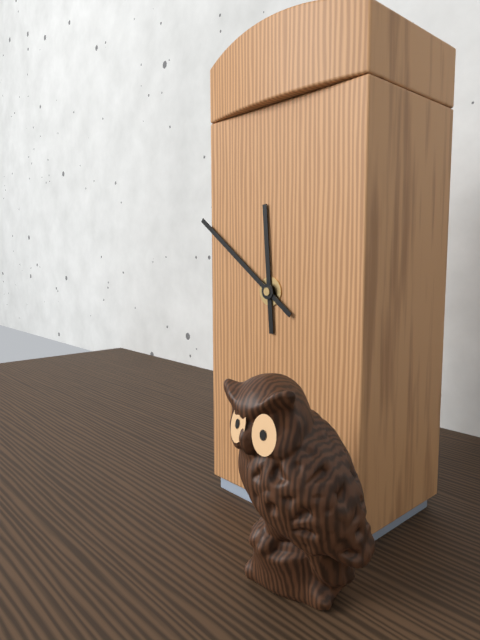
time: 11:51
